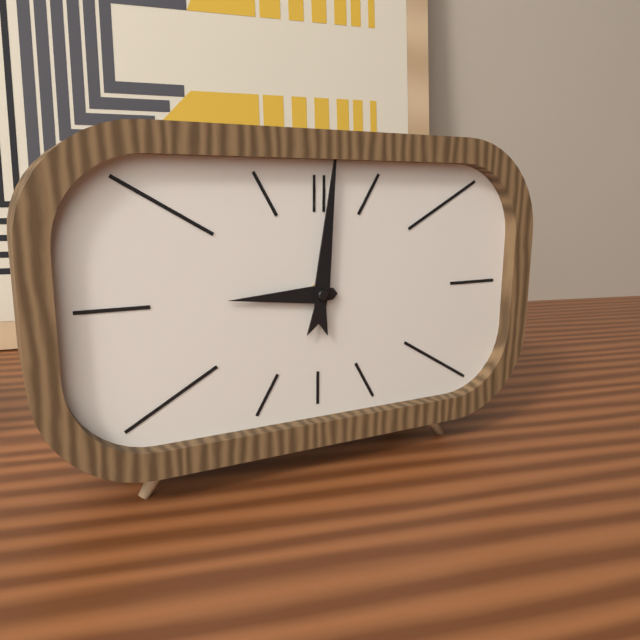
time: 9:01
